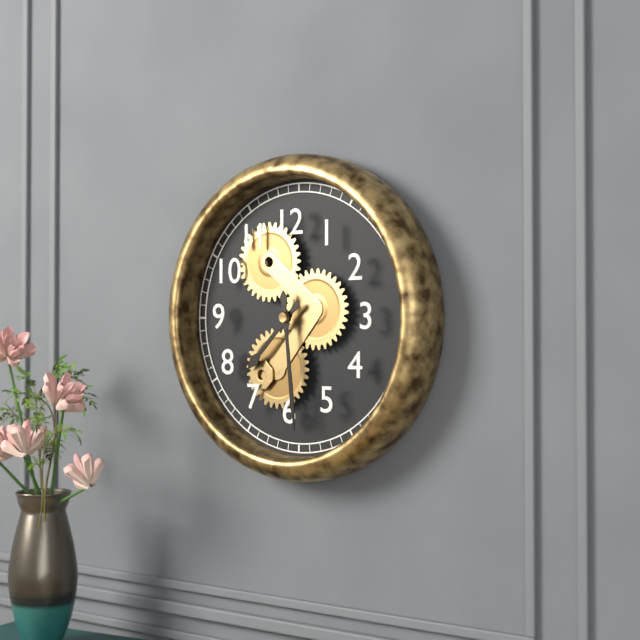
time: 7:29
